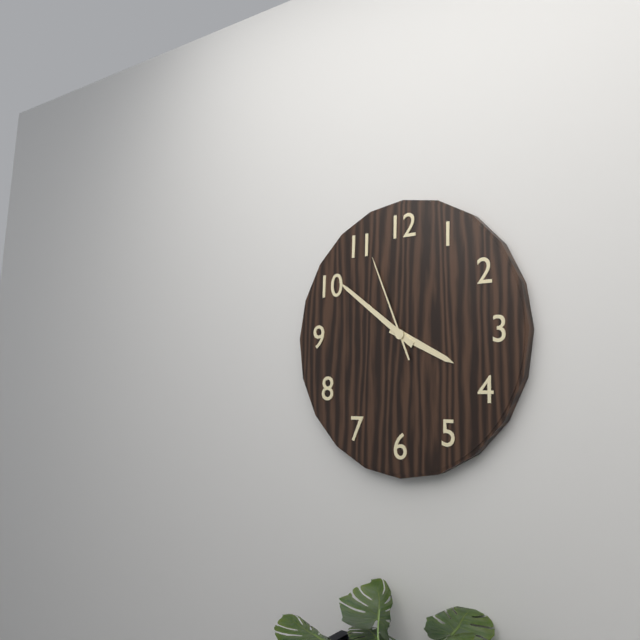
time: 3:51:56
